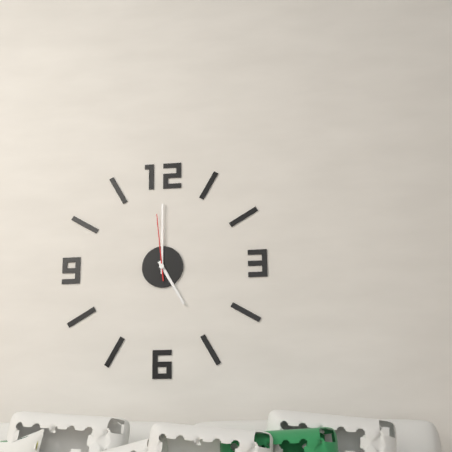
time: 5:00:59
